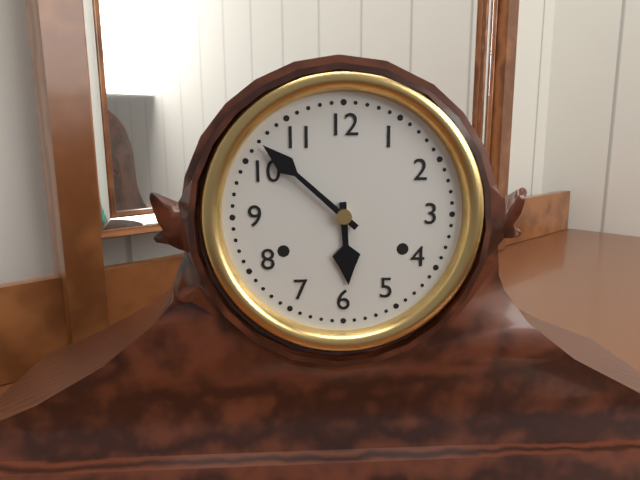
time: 5:52
